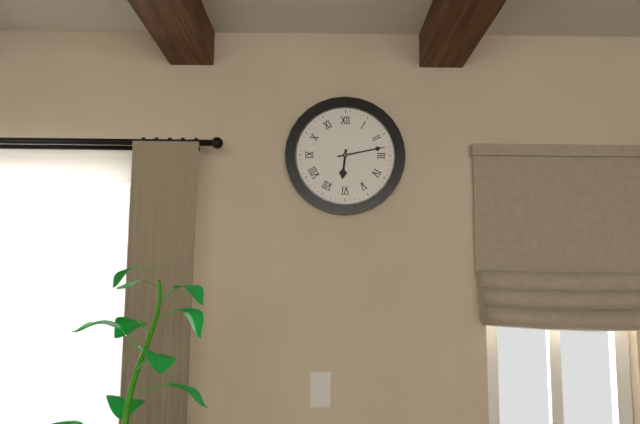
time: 6:13
